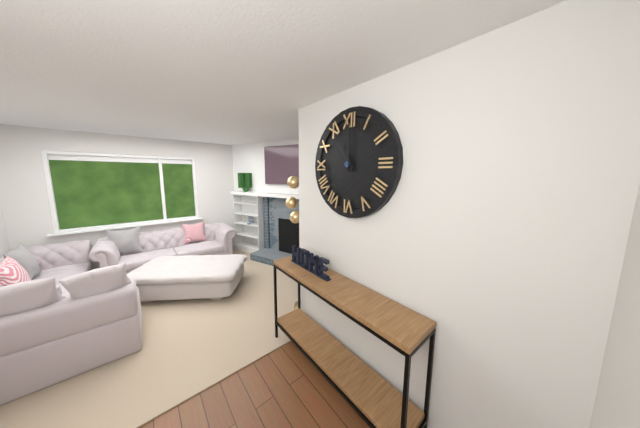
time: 11:00
